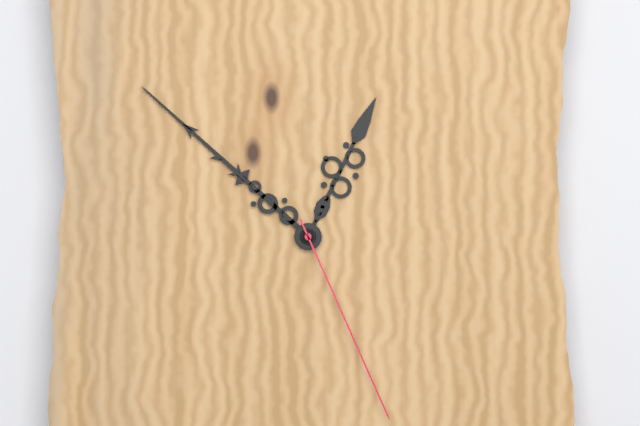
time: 12:52:26
